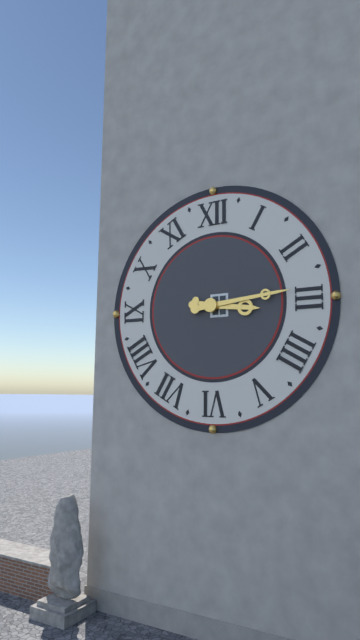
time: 3:14
